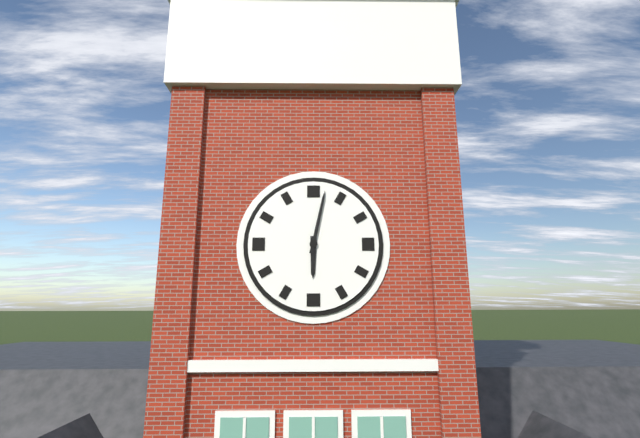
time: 6:02
